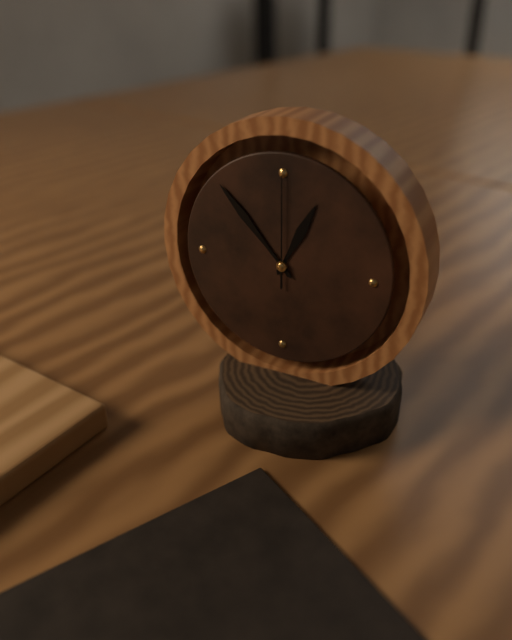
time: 12:53:00
